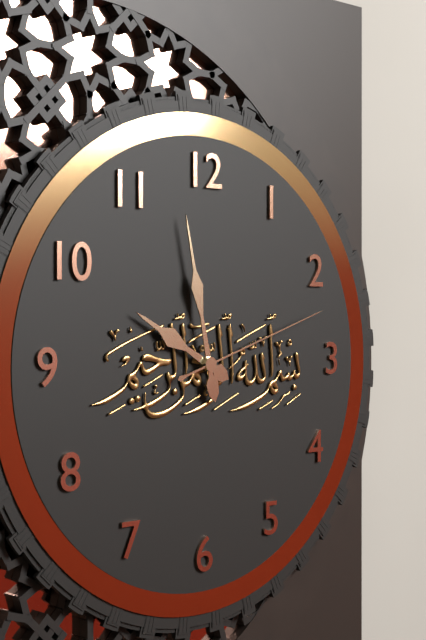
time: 9:58:12
